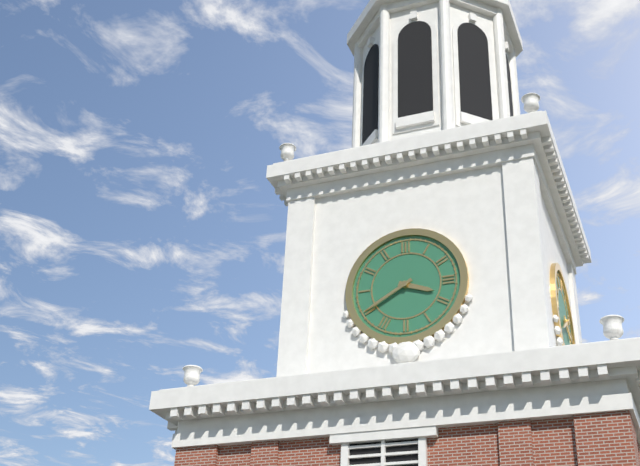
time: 3:40
